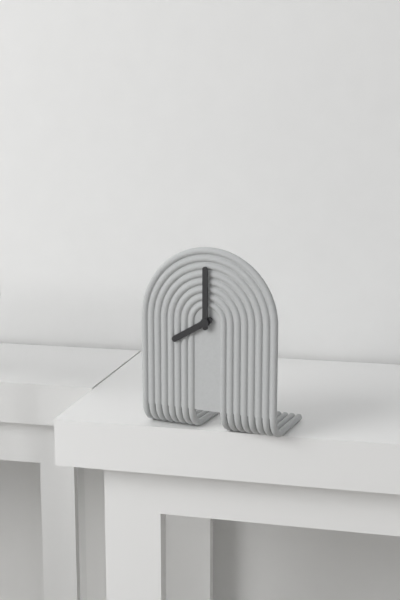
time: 8:00
